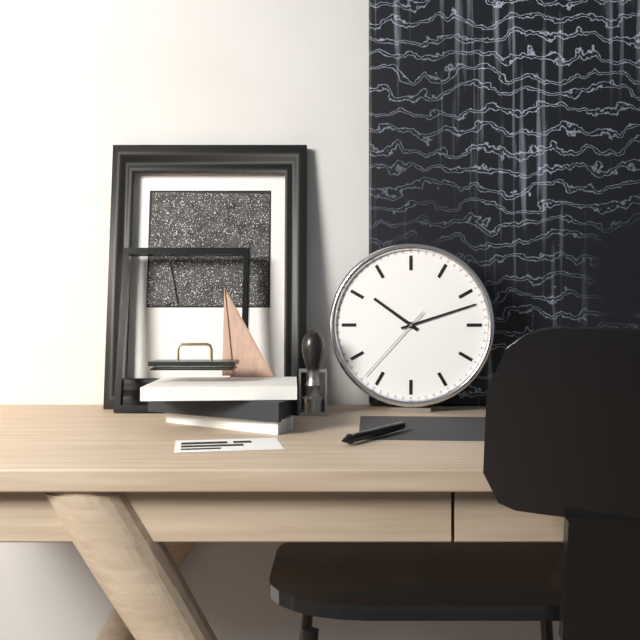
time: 10:12:37
